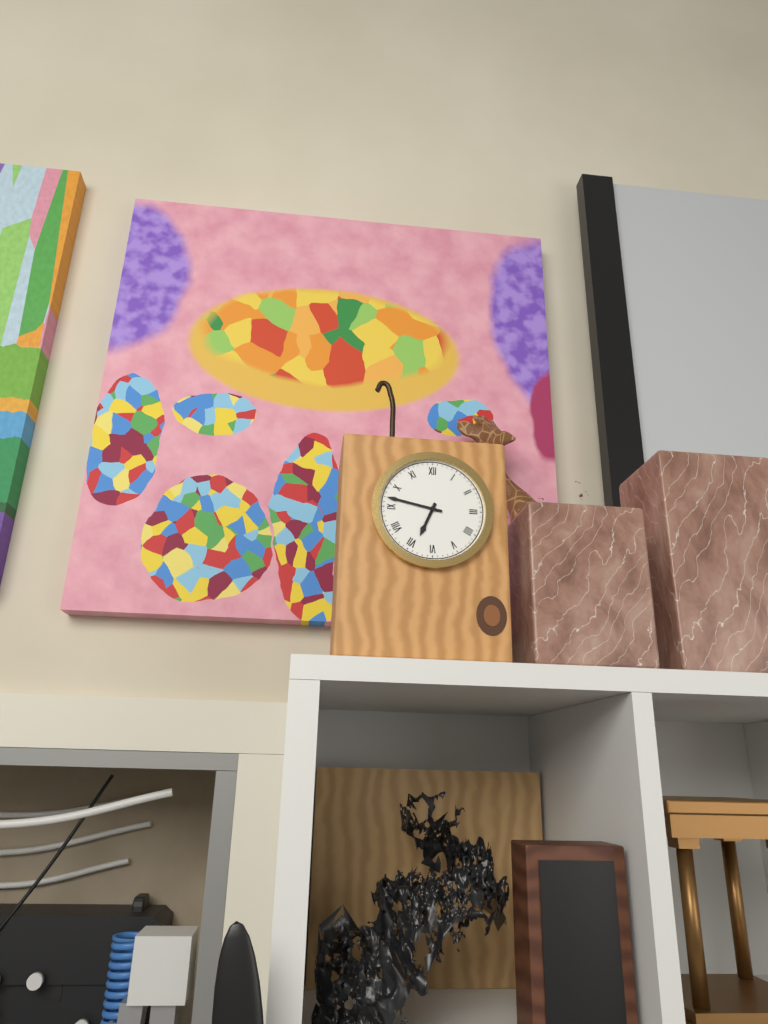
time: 6:47
